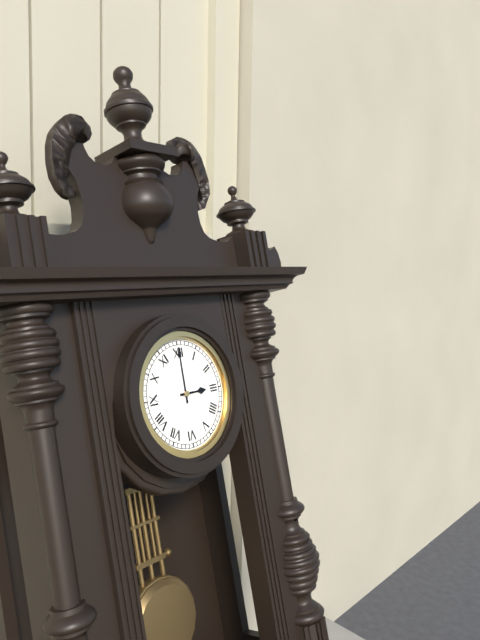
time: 3:00
